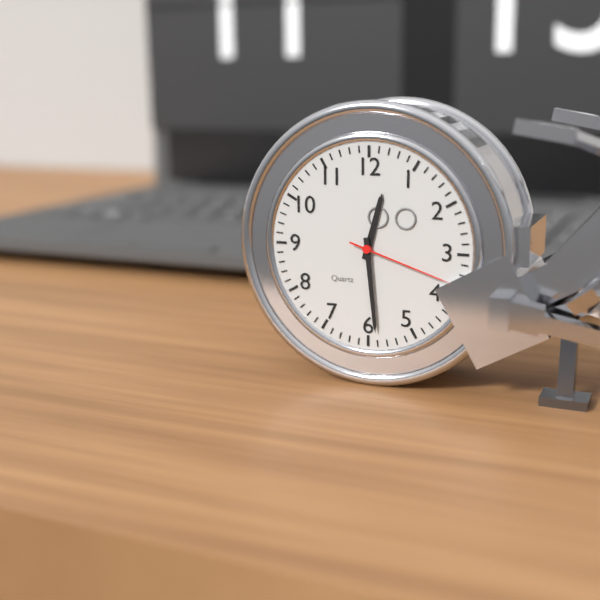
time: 12:29:18
